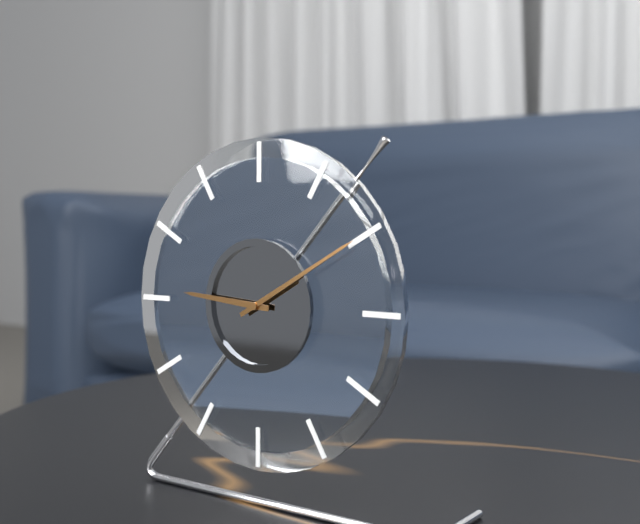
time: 9:10
